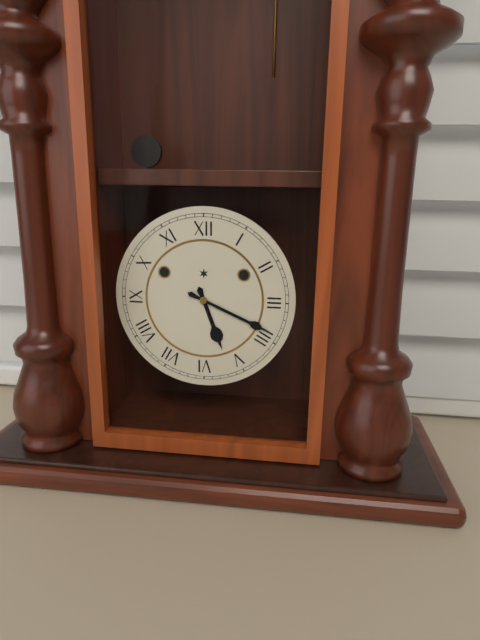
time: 5:19
